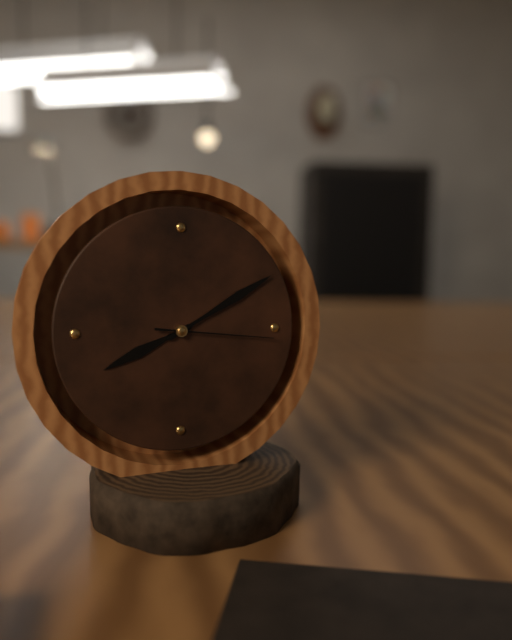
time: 8:10:16
